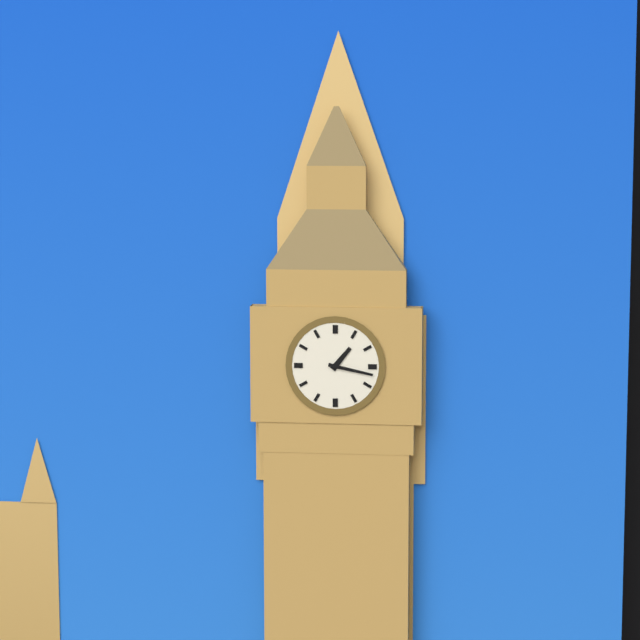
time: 1:17
